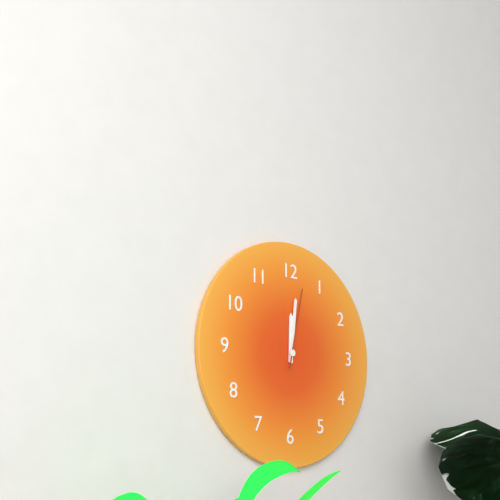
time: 12:01:02
